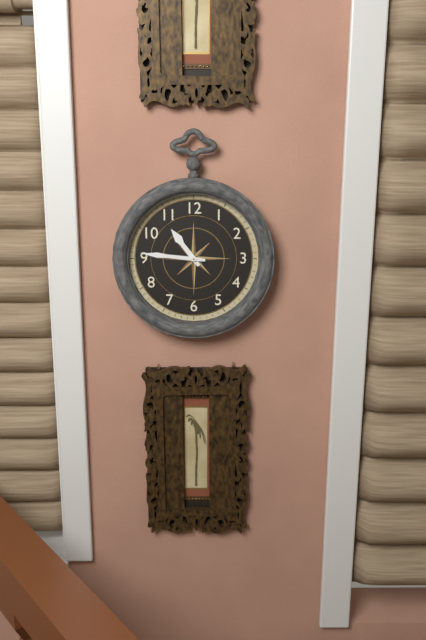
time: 10:46
